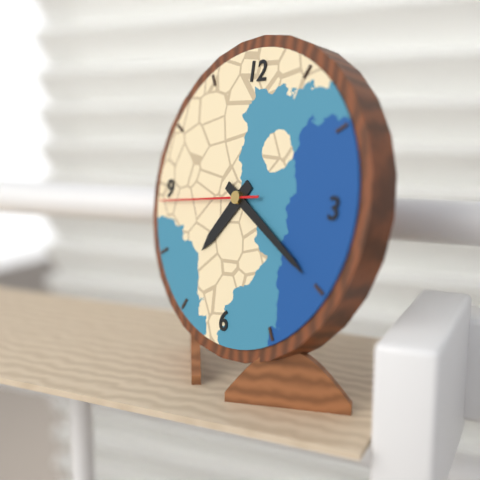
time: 7:20:44
